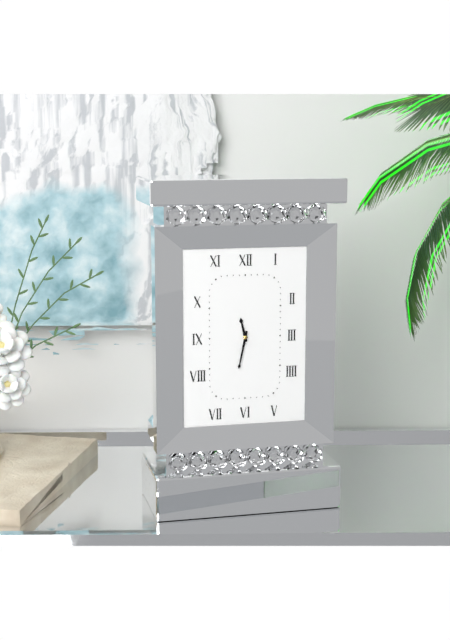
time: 11:32
